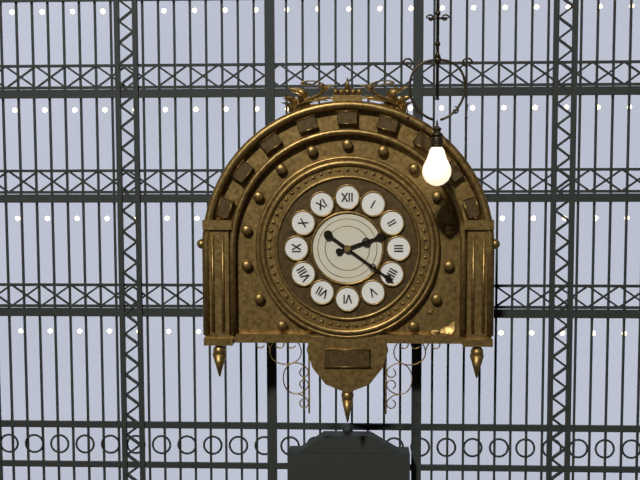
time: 2:21
